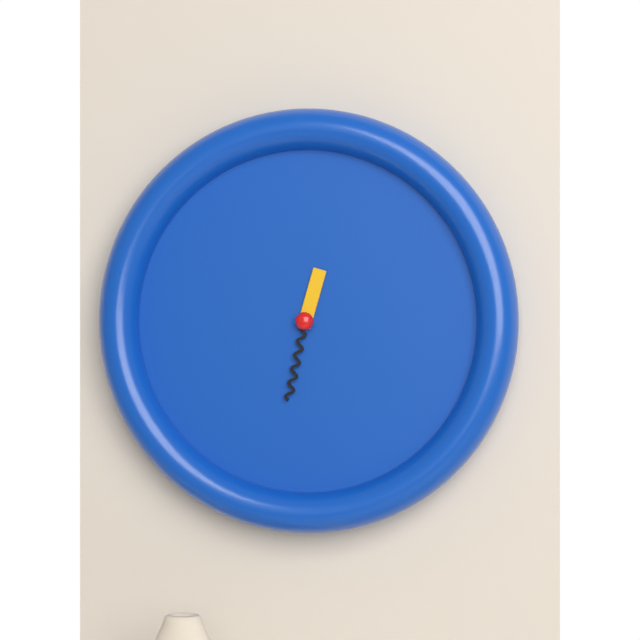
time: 12:32
